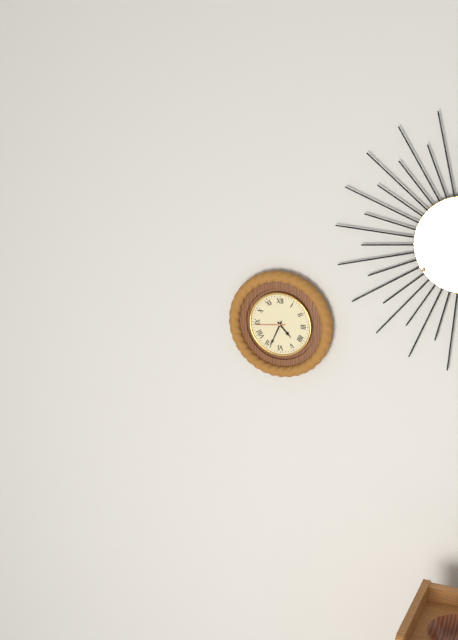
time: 4:34
